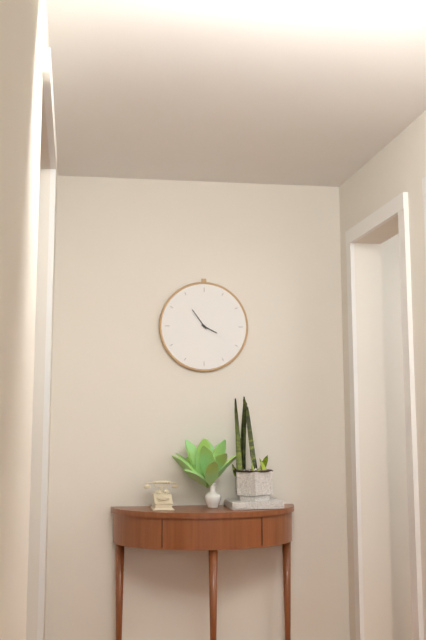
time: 3:54
